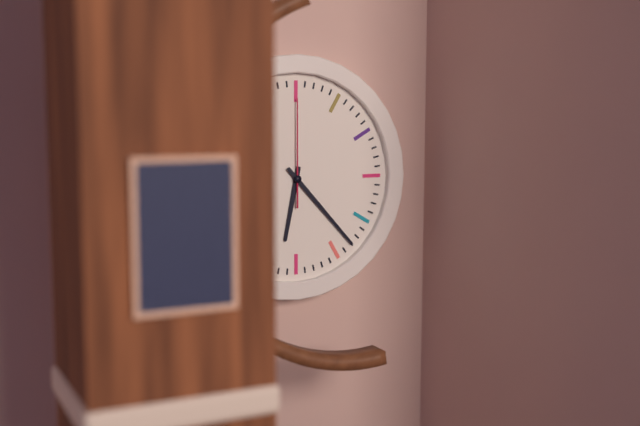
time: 6:23:00
